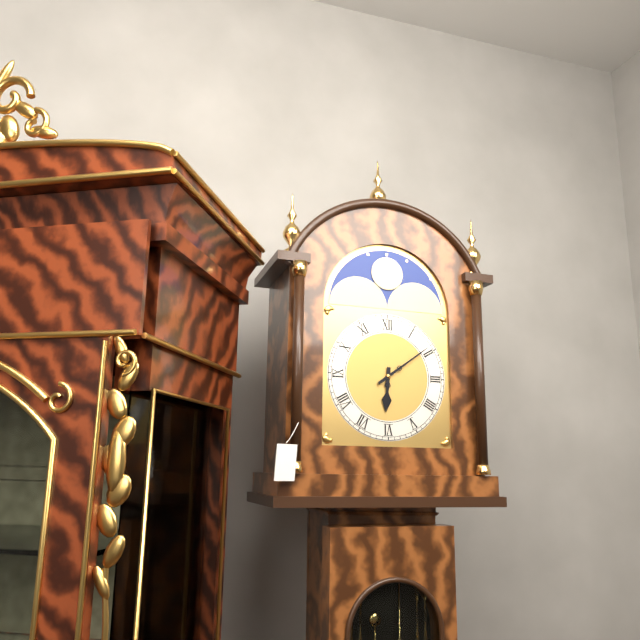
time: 6:09
